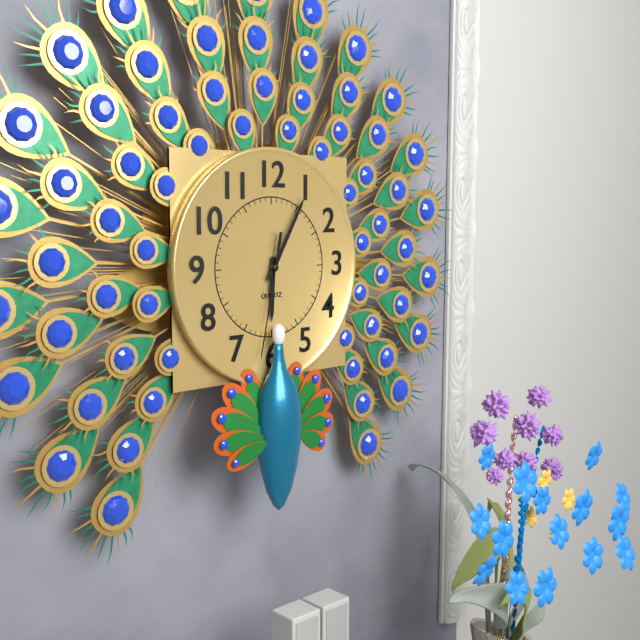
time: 6:05:32
